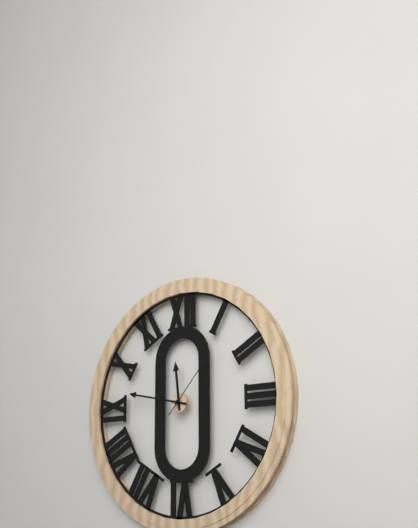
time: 11:47:07
